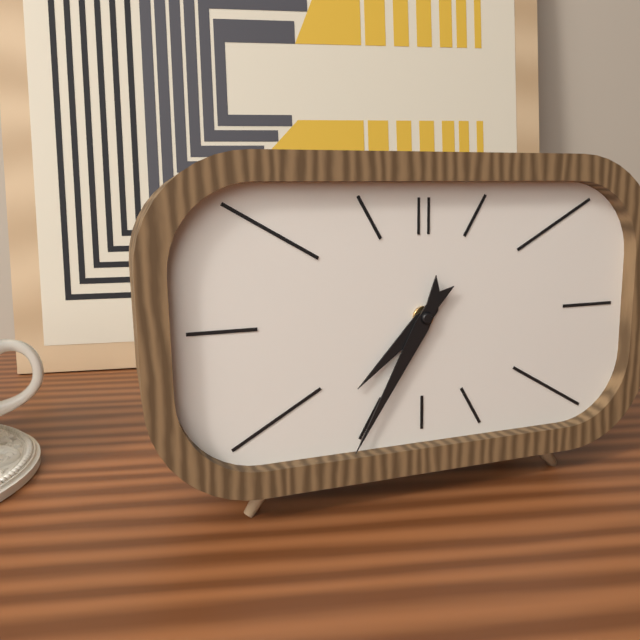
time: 7:35
